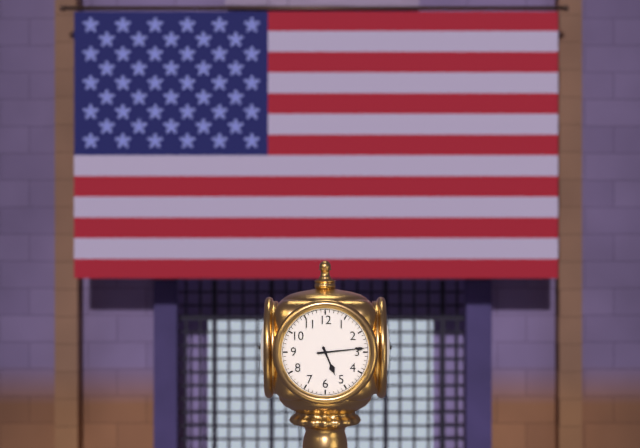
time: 5:14
